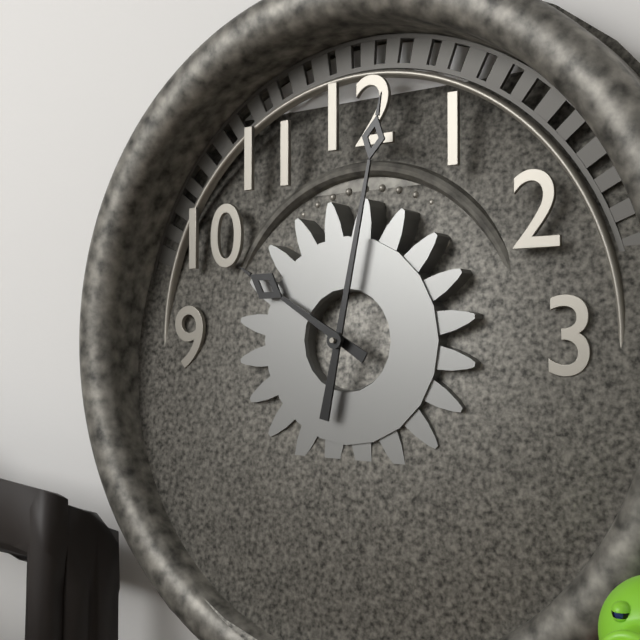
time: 10:02
